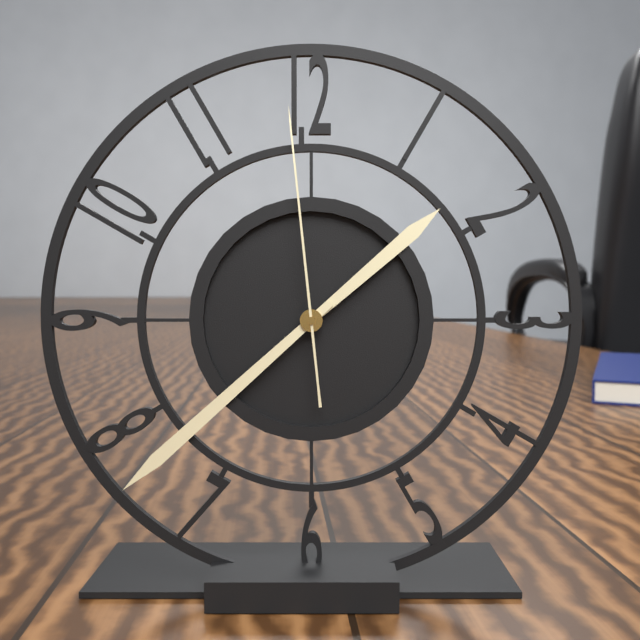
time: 1:38:59
